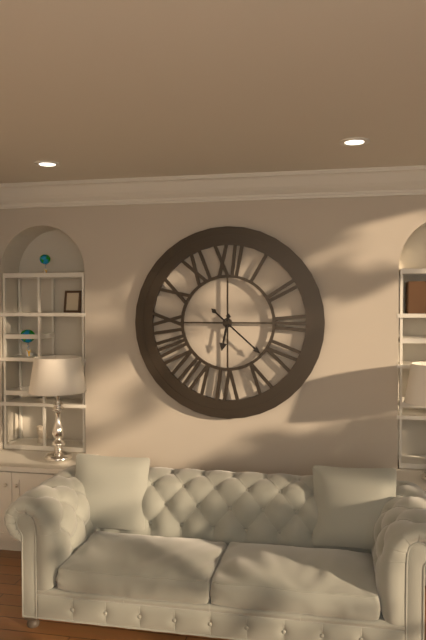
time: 6:22
